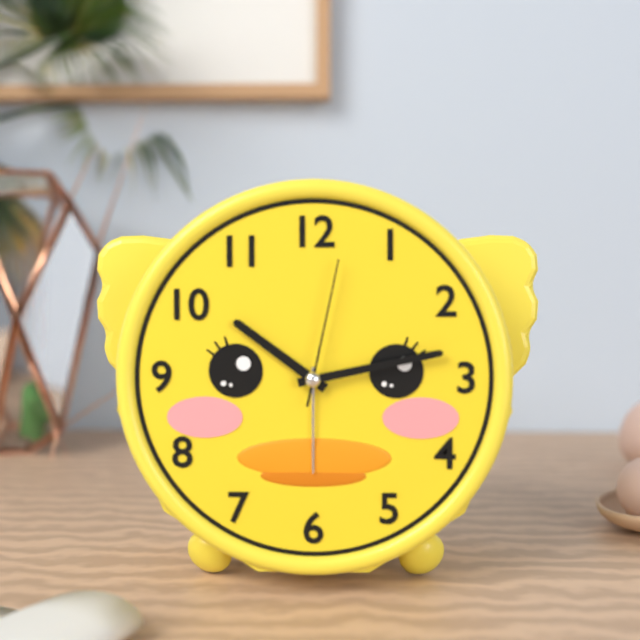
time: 10:13:02
